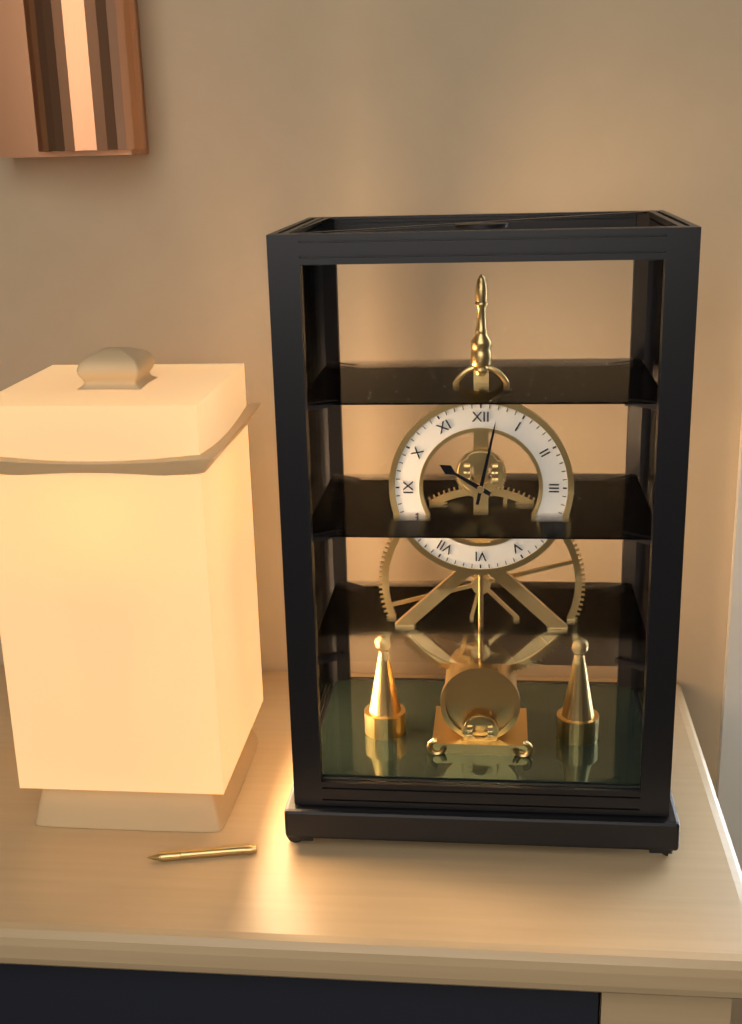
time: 10:02
